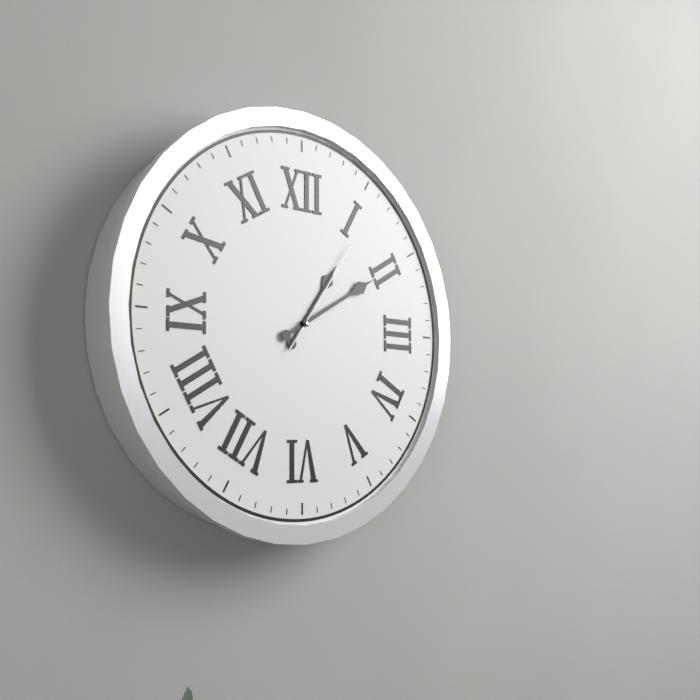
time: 1:10:06
